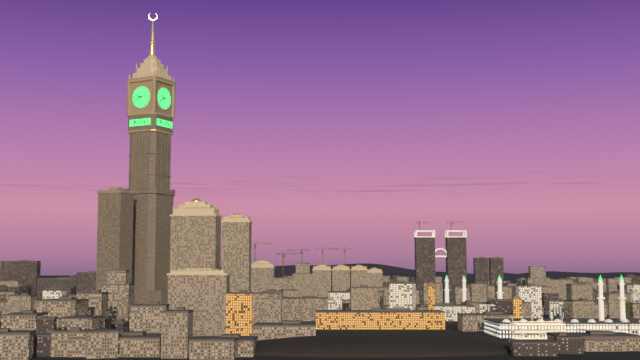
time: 9:41
